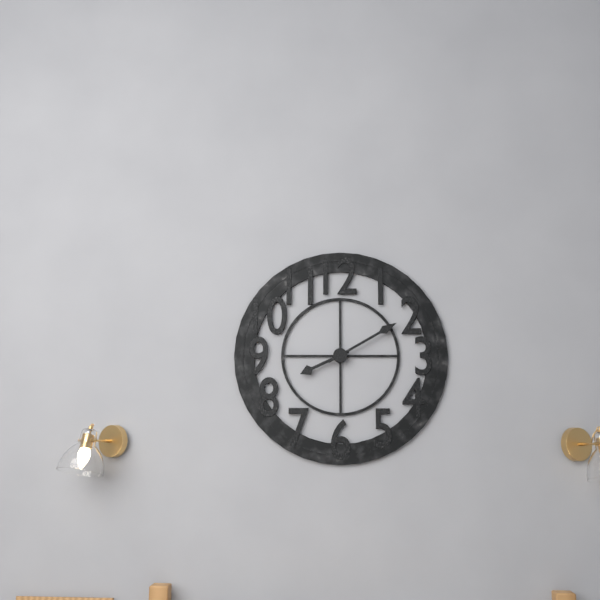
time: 8:10
